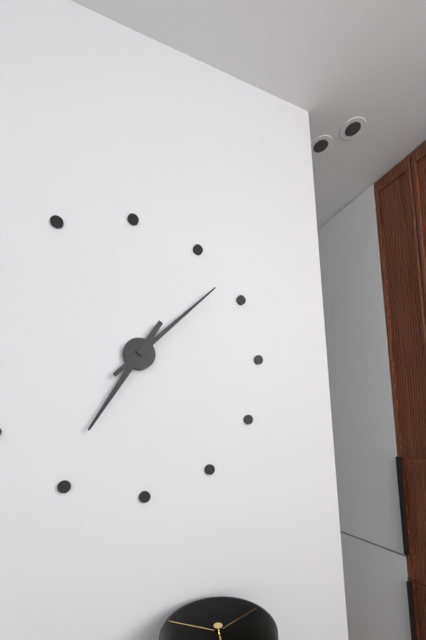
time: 7:08
